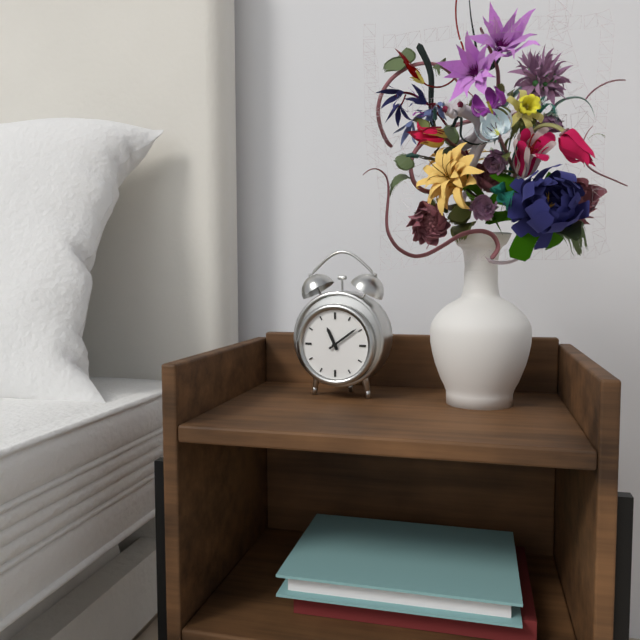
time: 11:09
